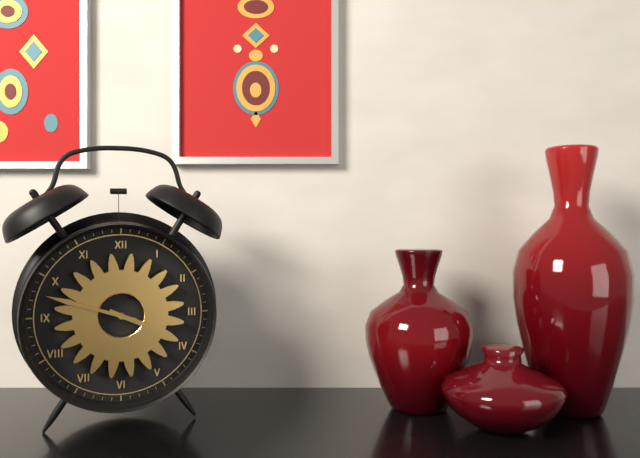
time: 3:48
